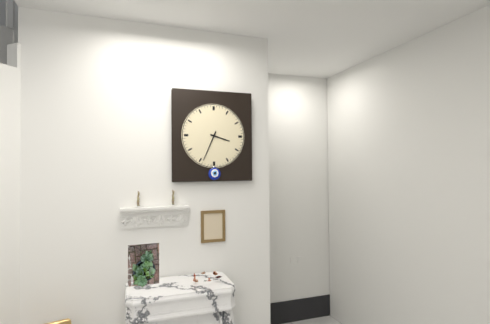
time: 3:34
